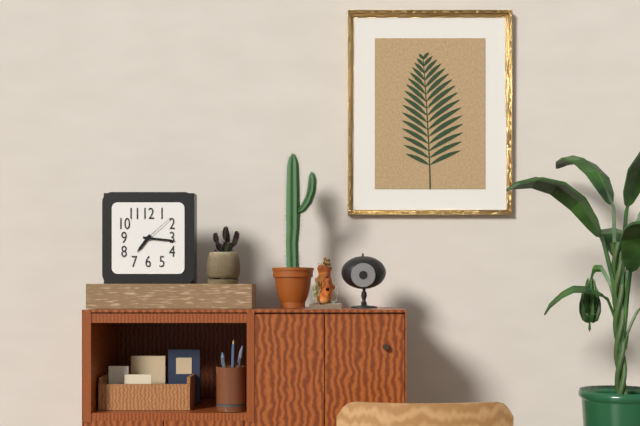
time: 7:16
